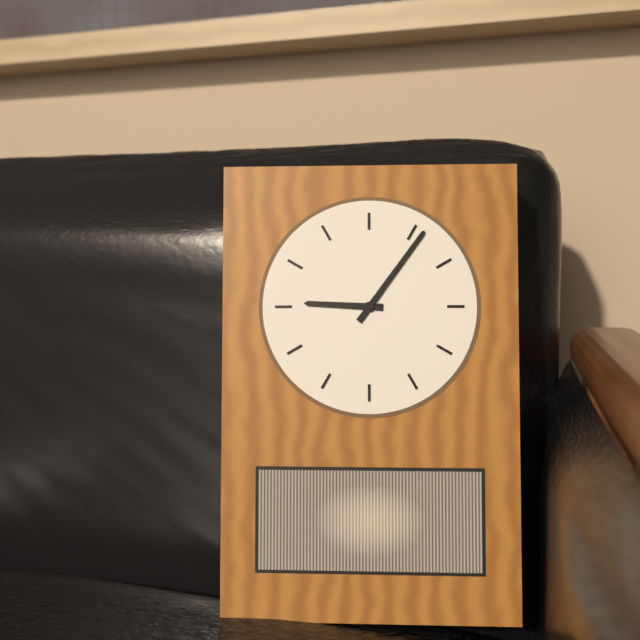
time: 9:06
